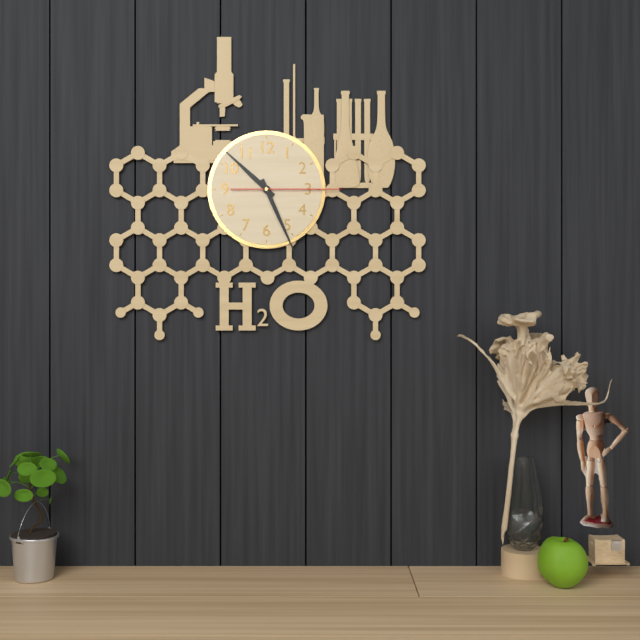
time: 10:26:15
